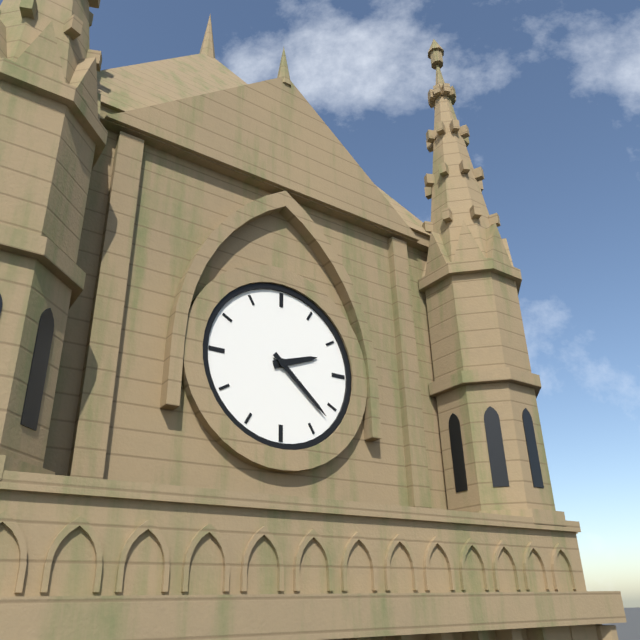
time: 2:22
